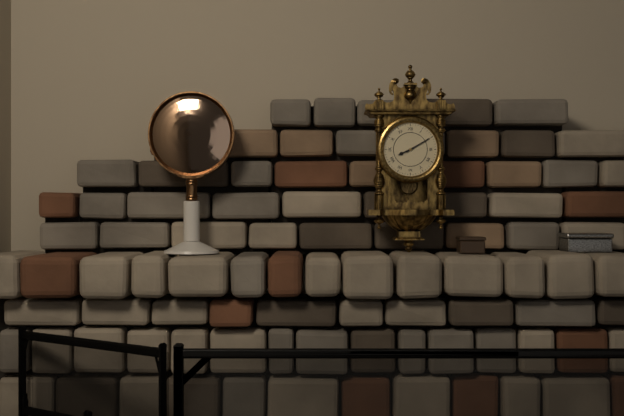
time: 8:10
